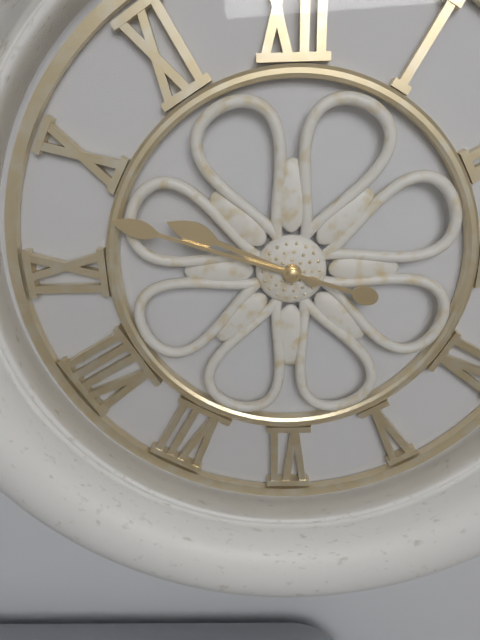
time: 9:48
